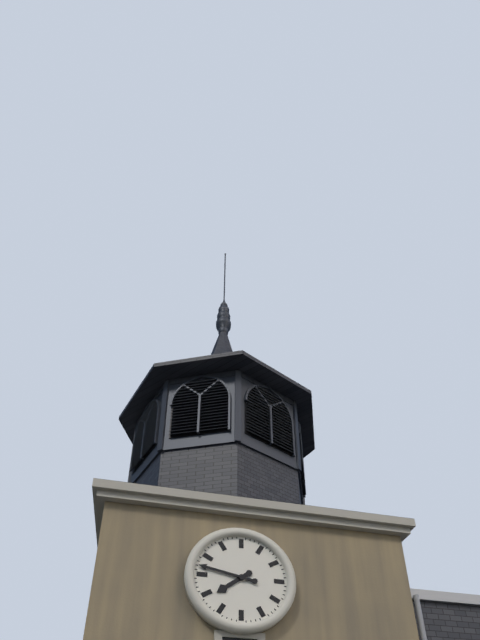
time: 7:47
